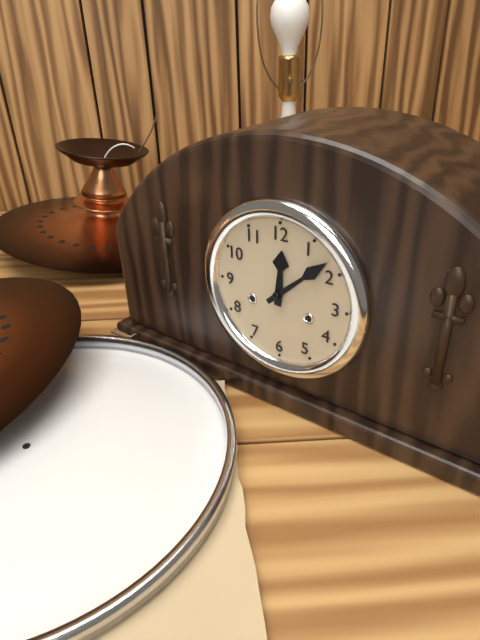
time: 12:08
